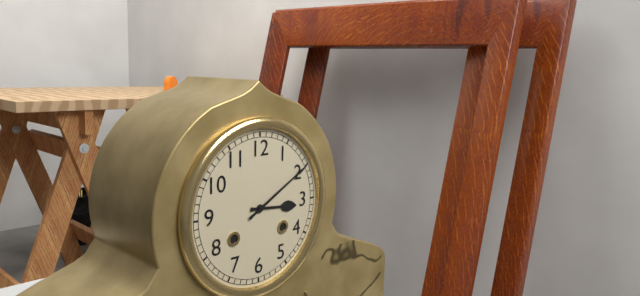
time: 3:10
